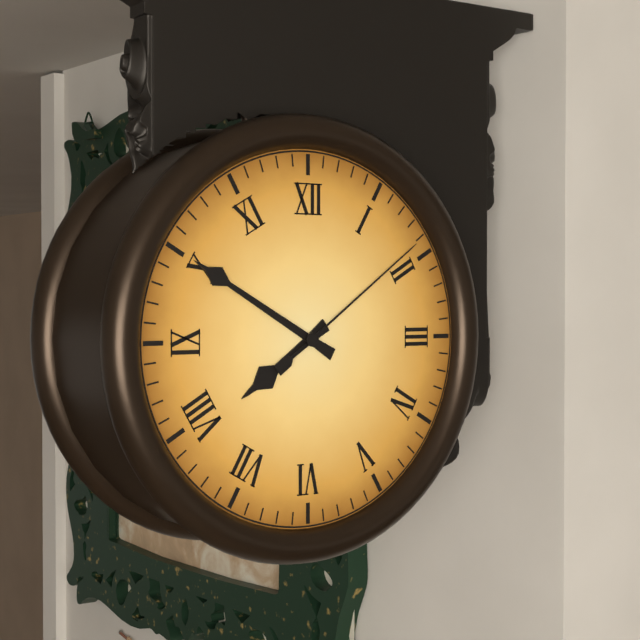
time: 7:50:09
